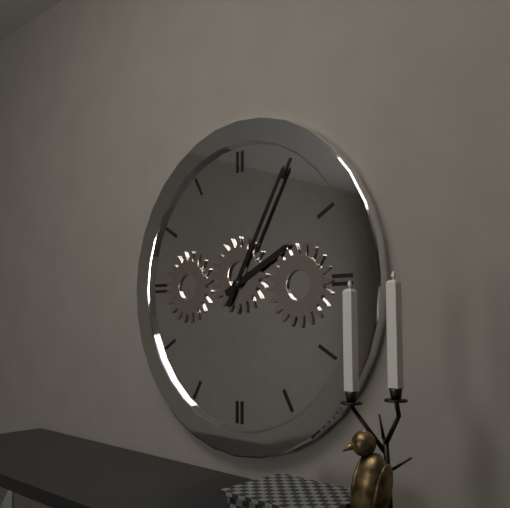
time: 2:05
